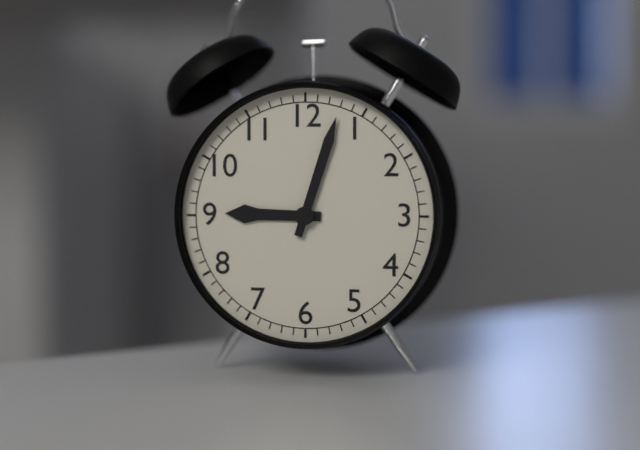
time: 9:03
